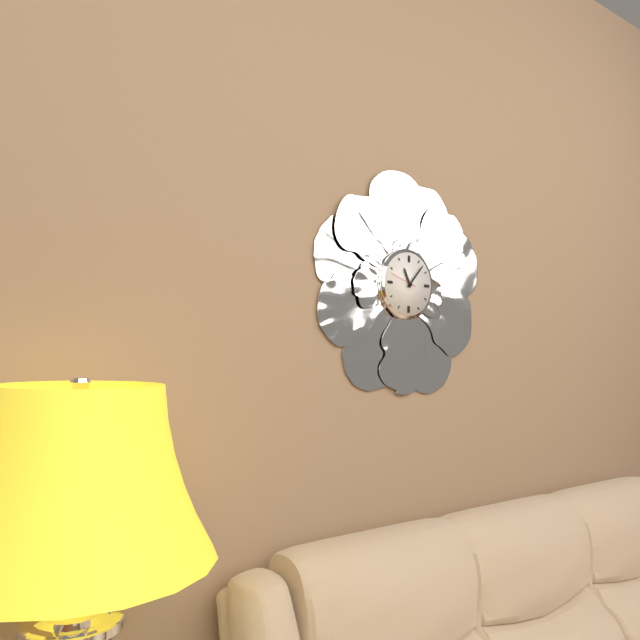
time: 11:07
